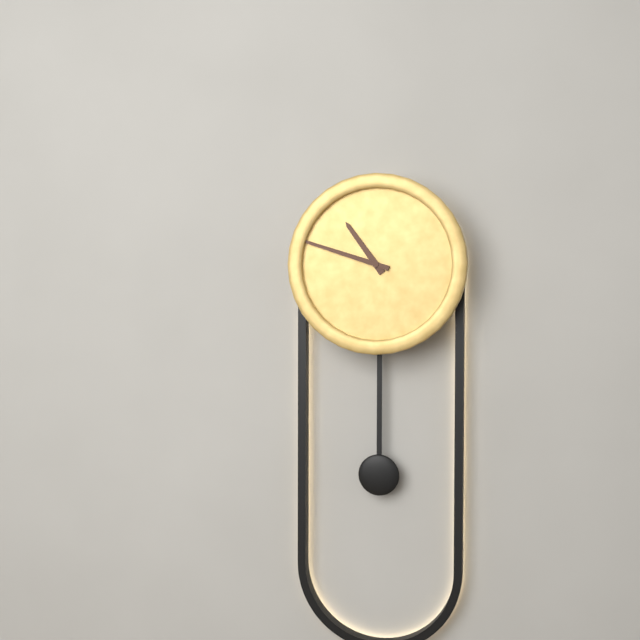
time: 10:48
